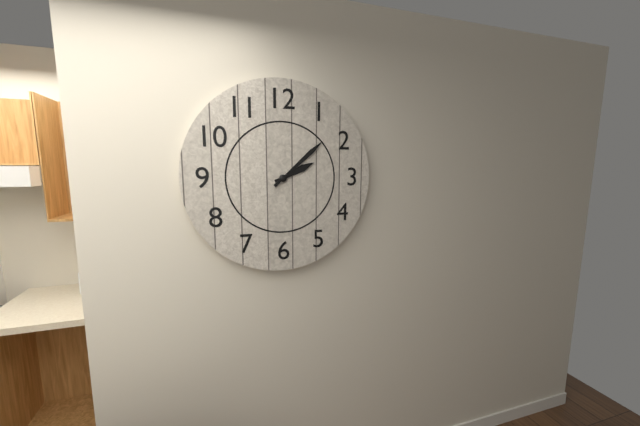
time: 2:08
